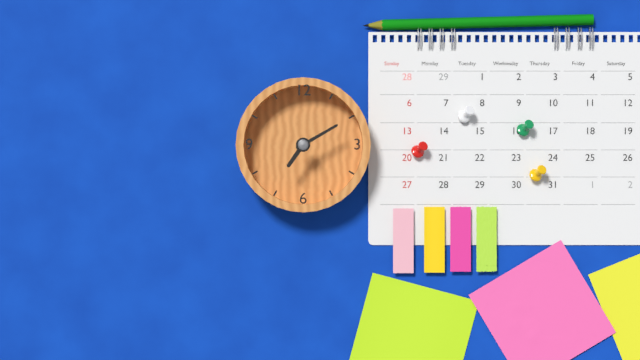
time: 7:10
